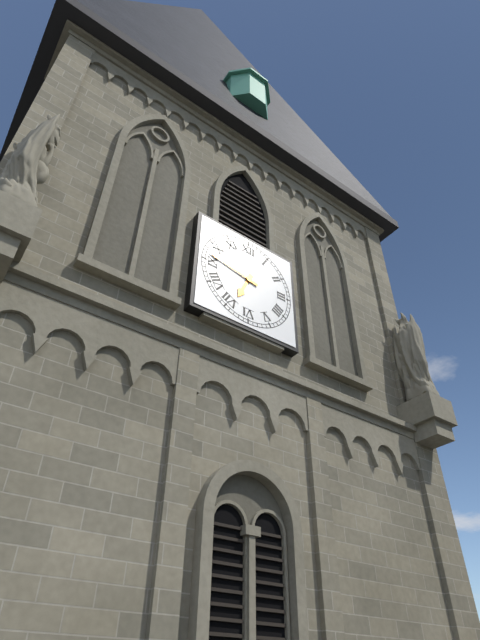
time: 6:47
